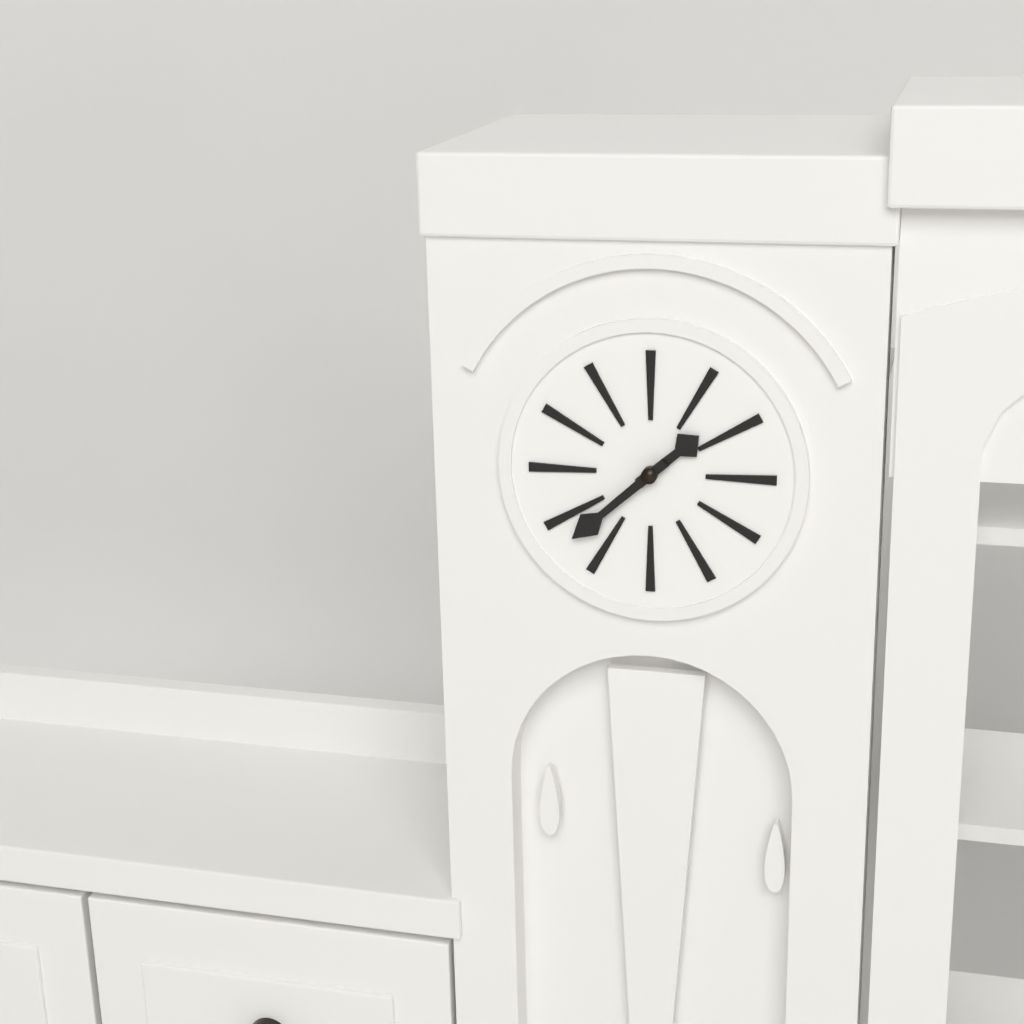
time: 1:38
